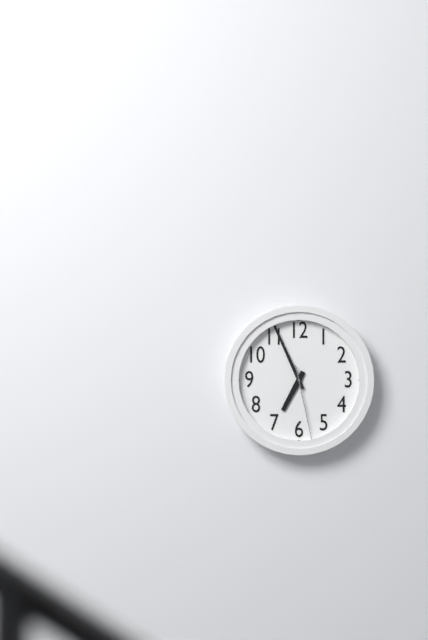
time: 6:56:28
